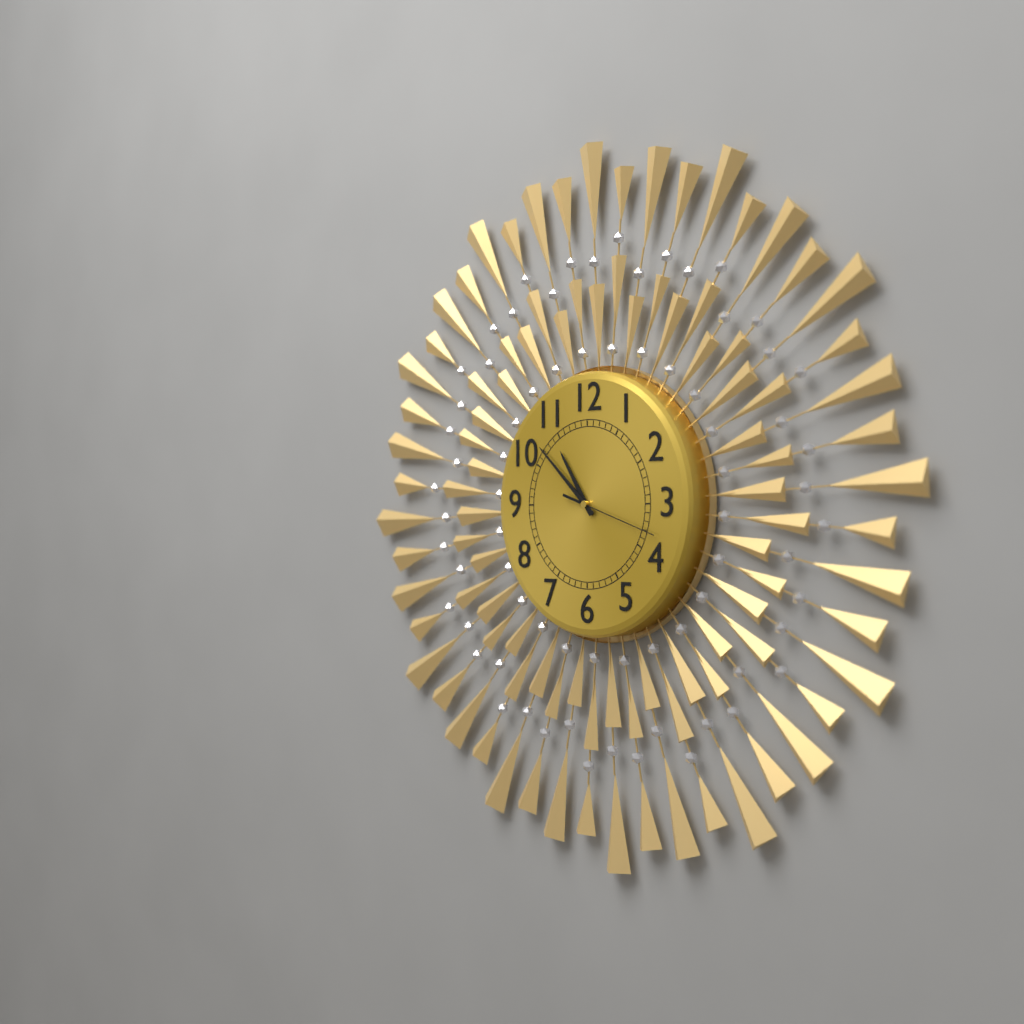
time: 10:52:18
